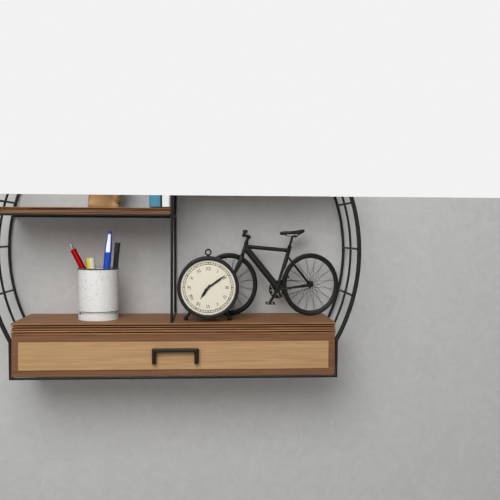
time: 7:09
